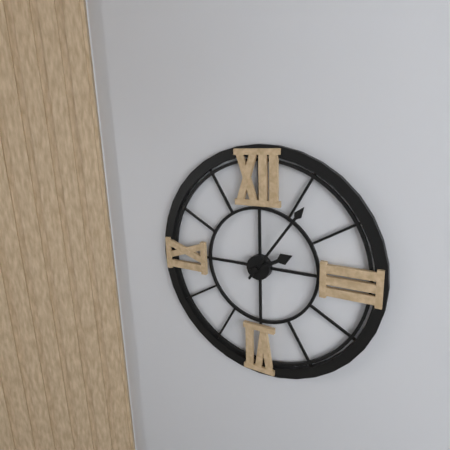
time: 2:06
